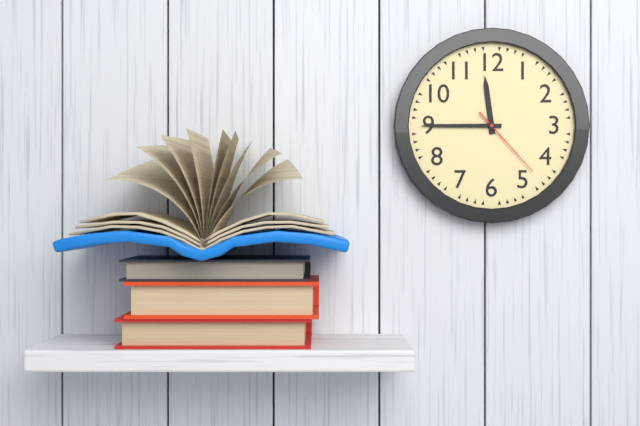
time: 11:45:23
